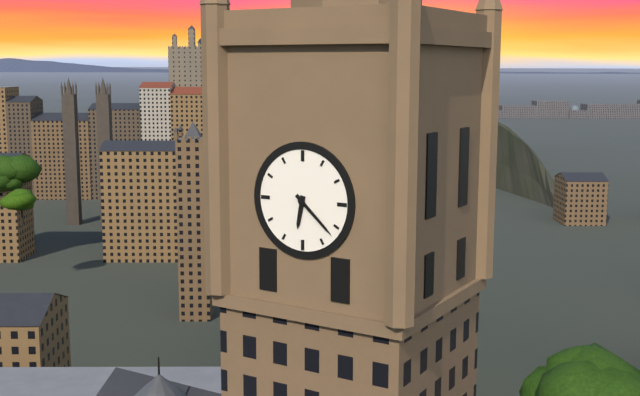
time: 6:22
